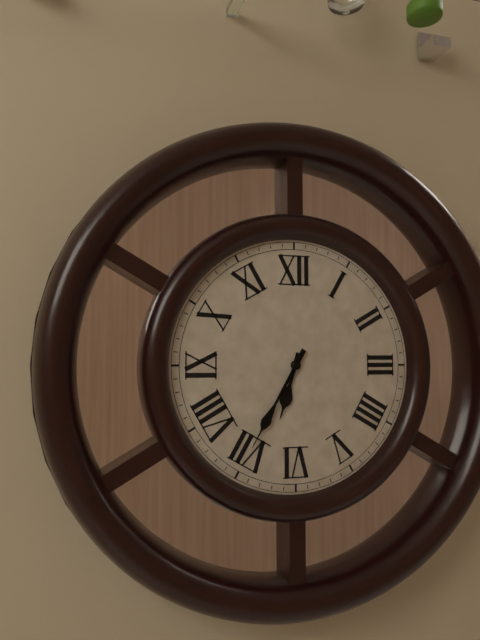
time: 6:35
